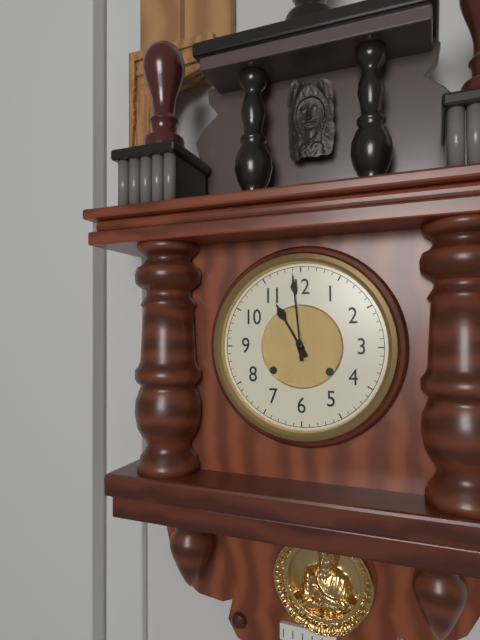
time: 10:59
